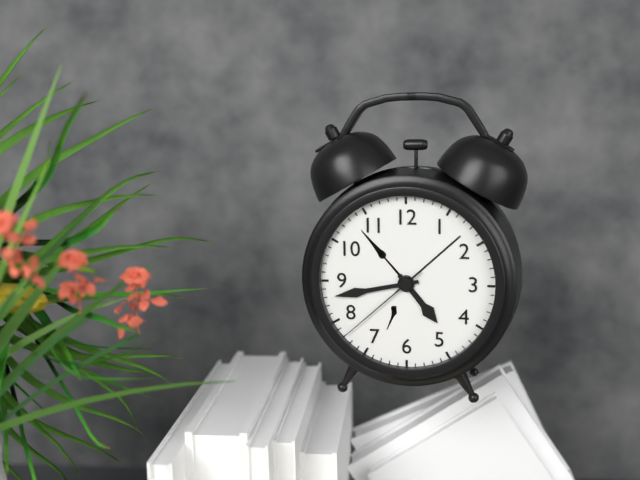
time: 4:43:38
